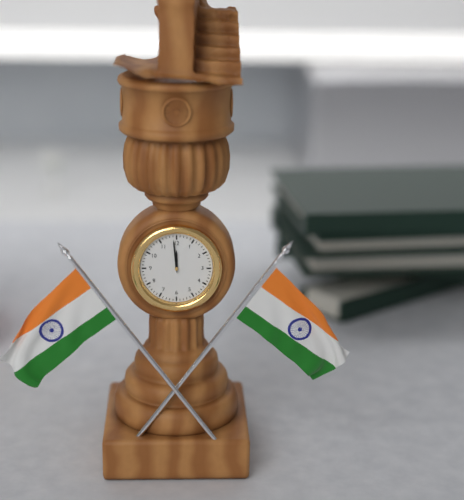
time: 11:59
